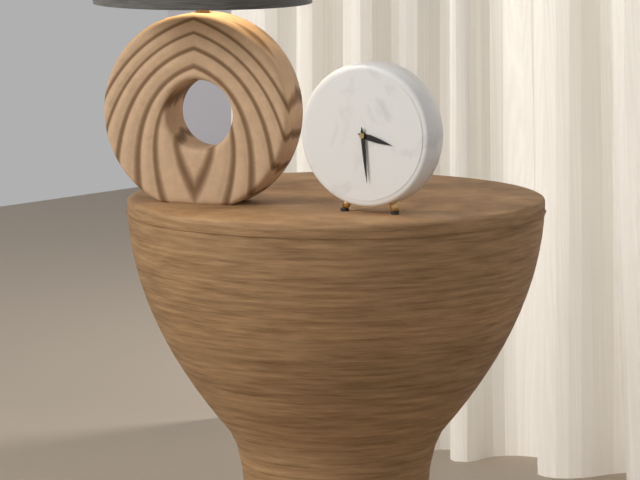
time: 3:29
